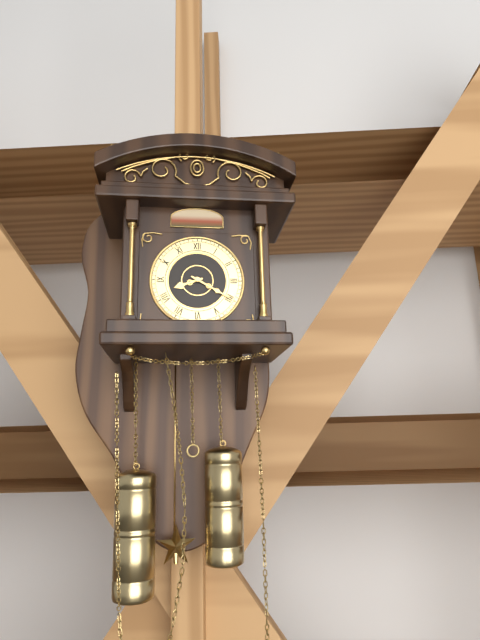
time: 8:20
